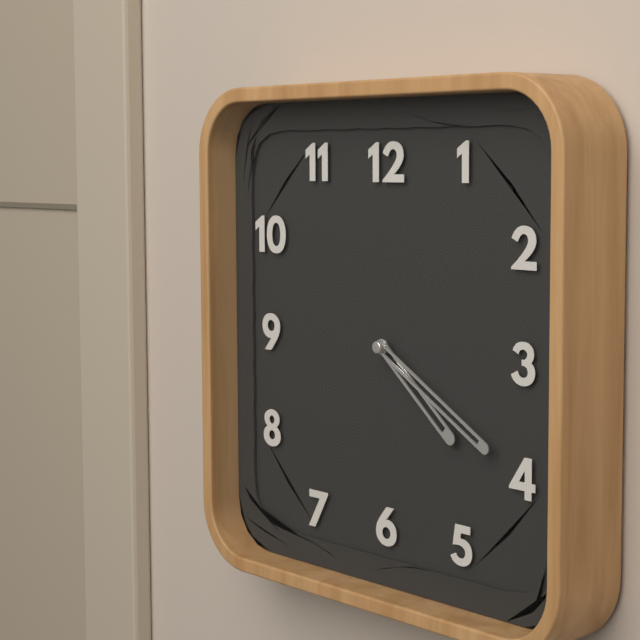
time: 4:20
